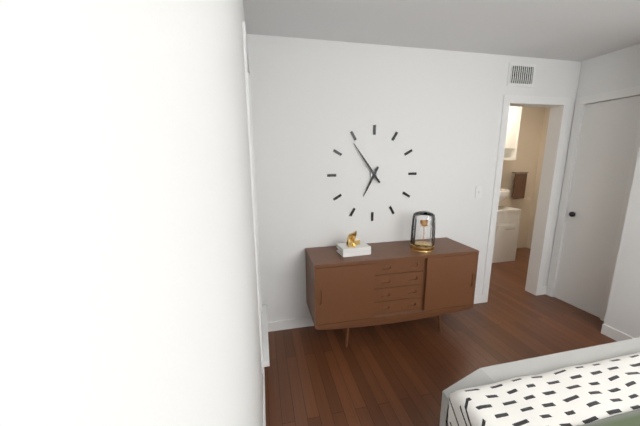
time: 6:54
